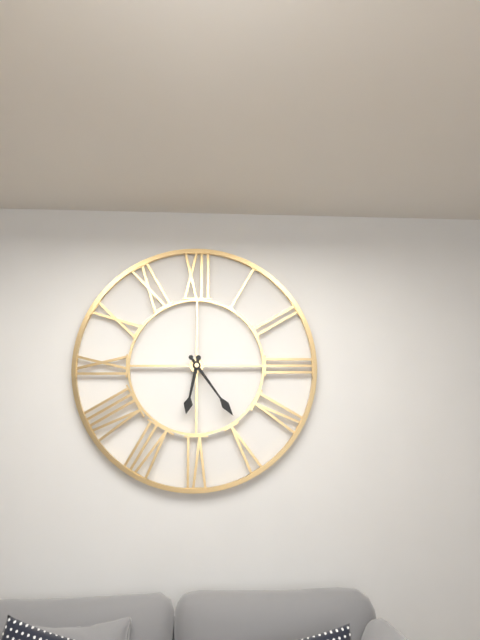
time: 6:24
